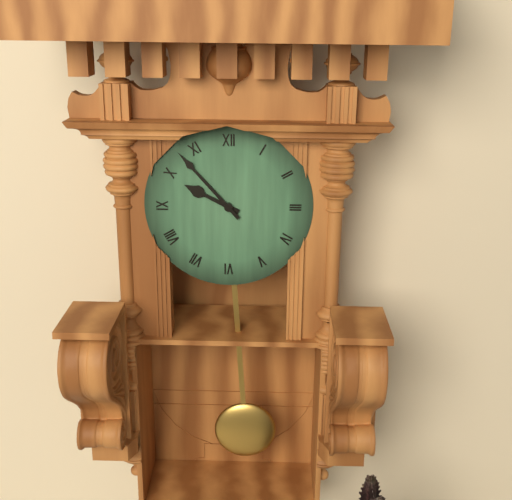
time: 9:53
